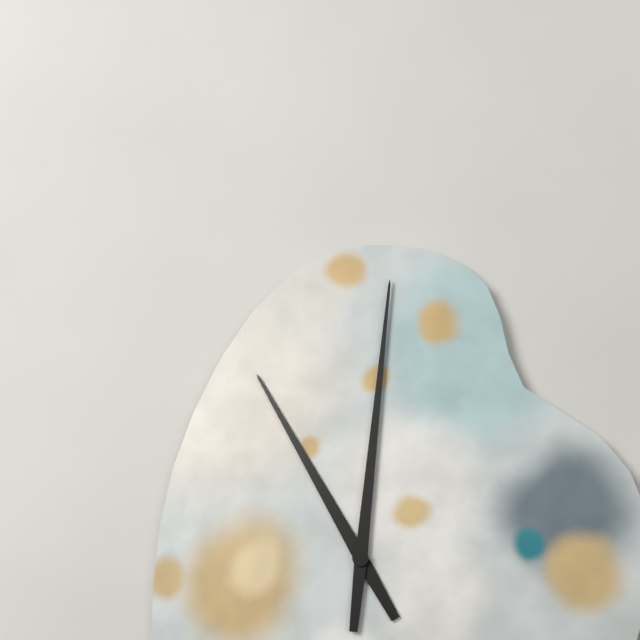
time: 11:01
